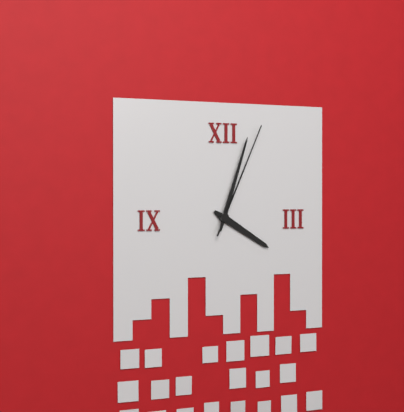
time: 4:03:04
